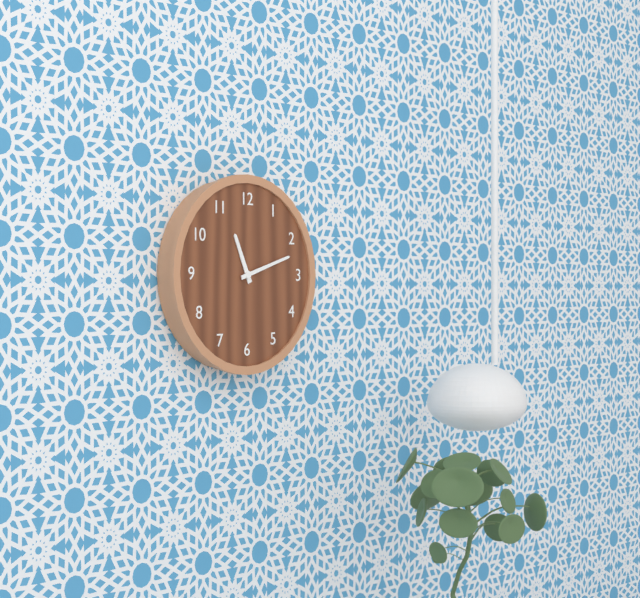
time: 11:12
